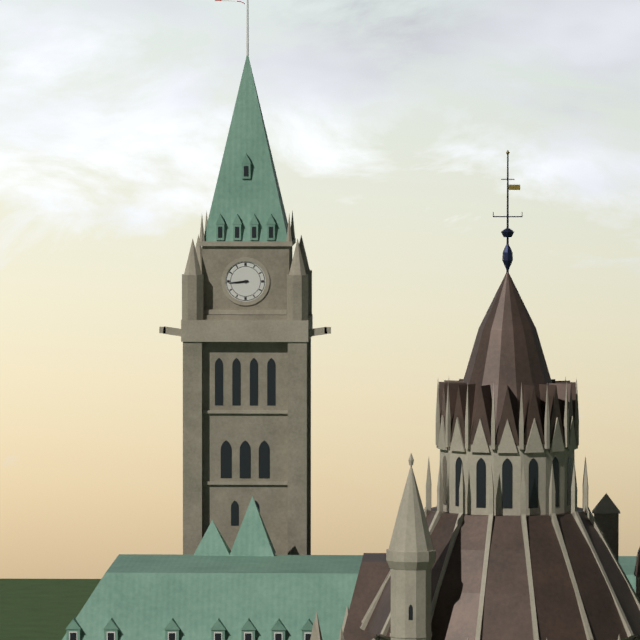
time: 8:44
